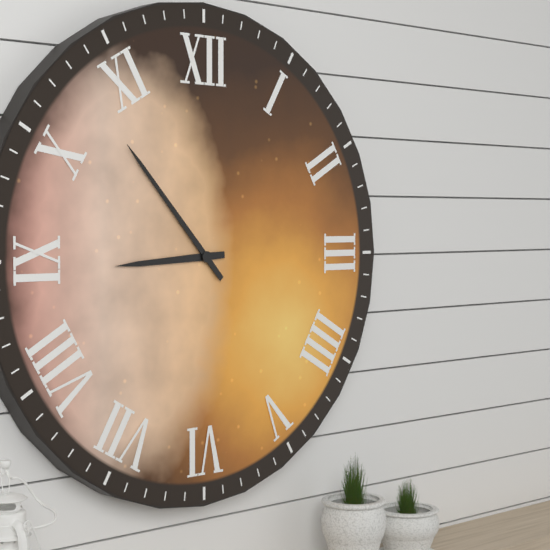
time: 8:53
